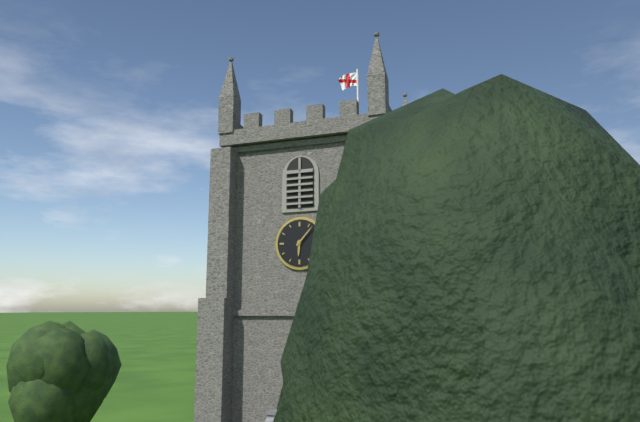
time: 6:07
